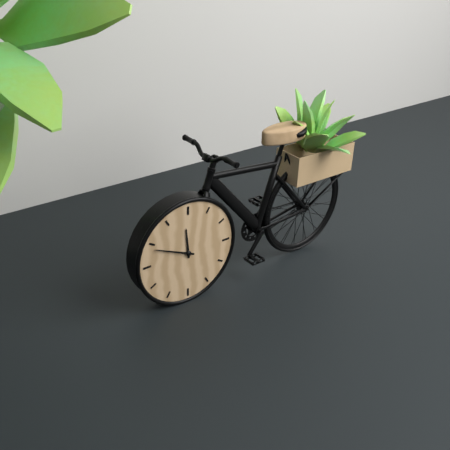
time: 11:49
